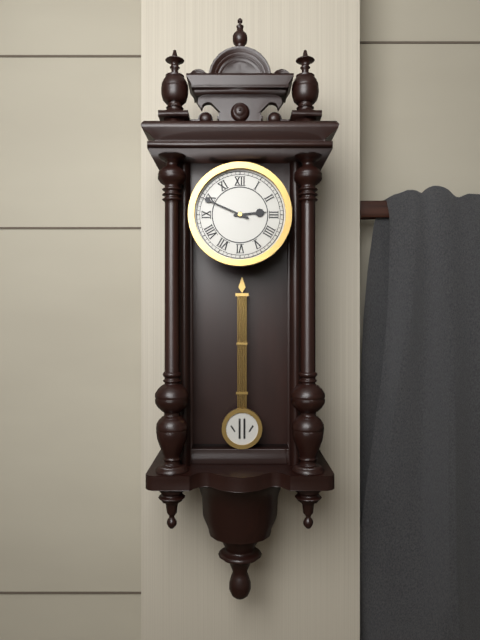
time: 2:49
